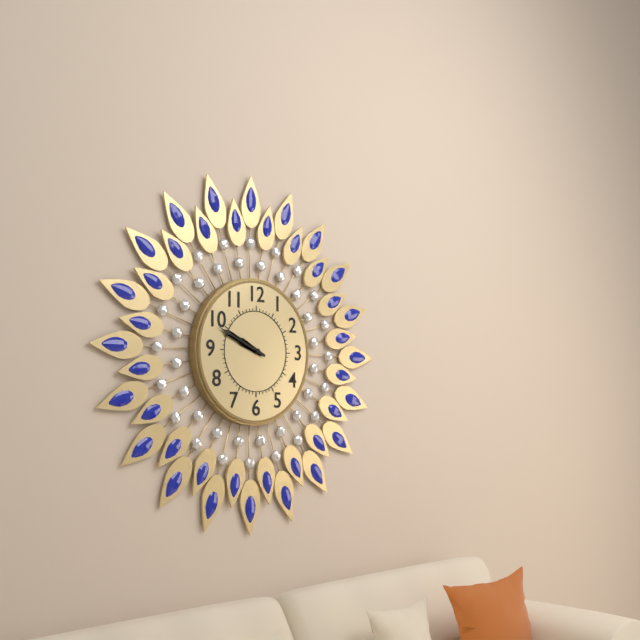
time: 9:49
